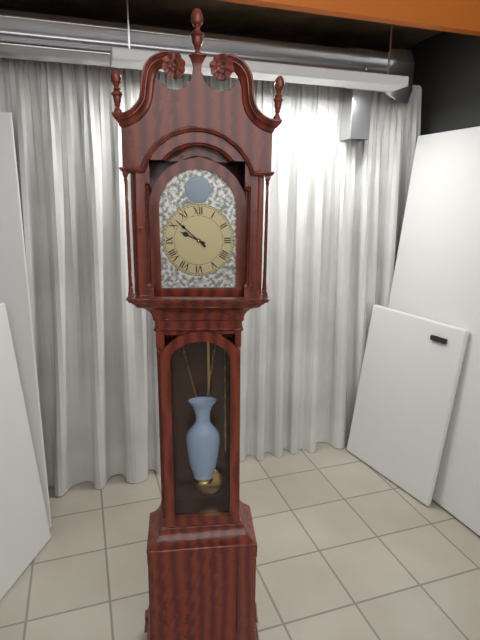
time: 9:52
